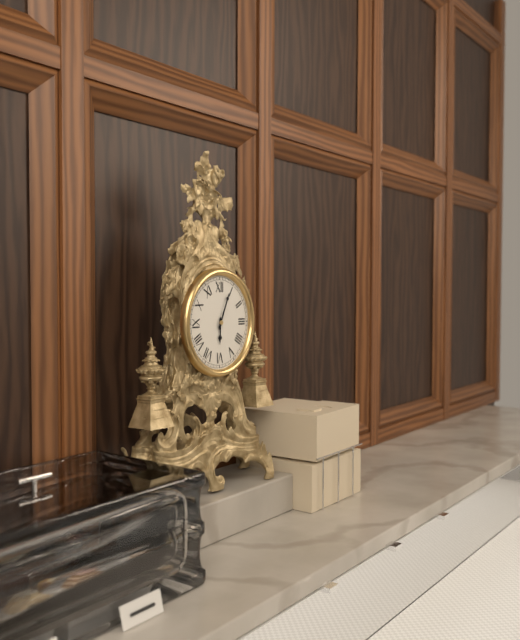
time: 6:04
